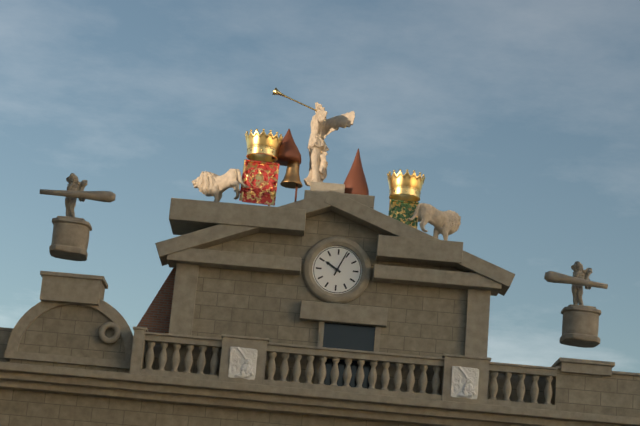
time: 10:04
